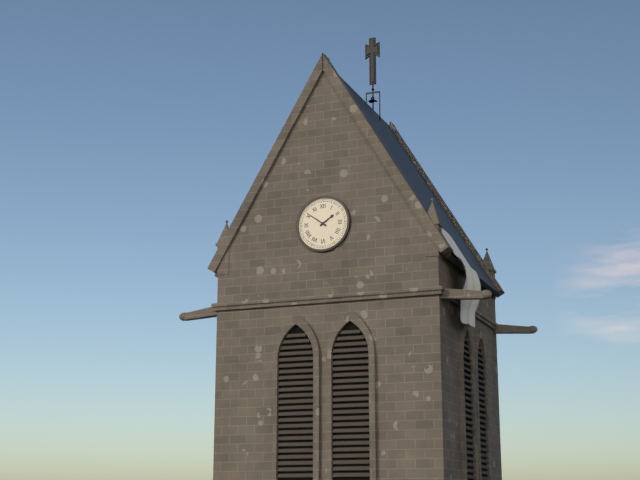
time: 1:51
